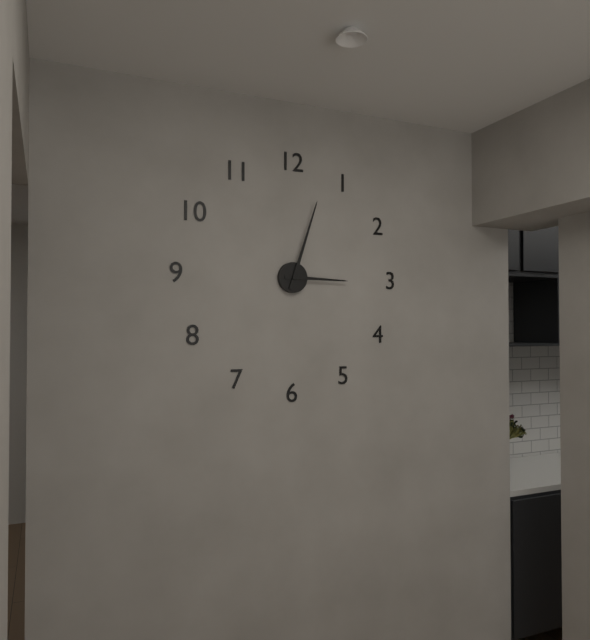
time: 3:03
